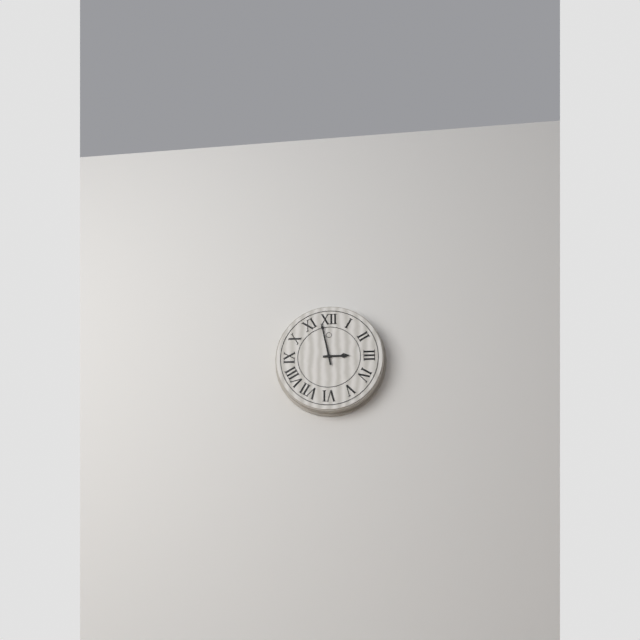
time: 2:58
